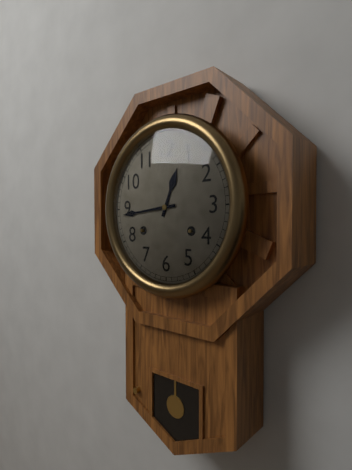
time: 12:44
